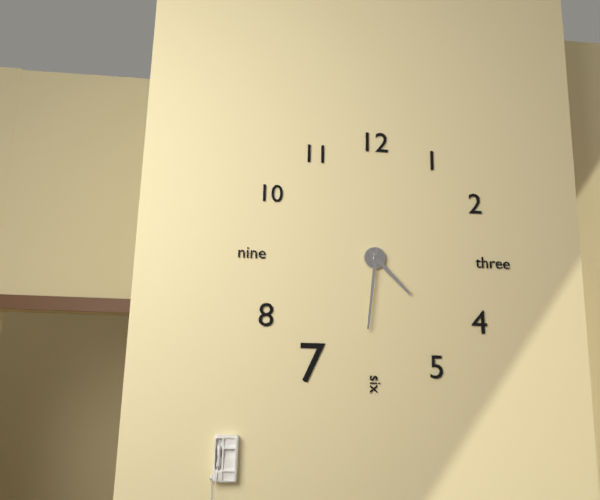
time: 4:31
